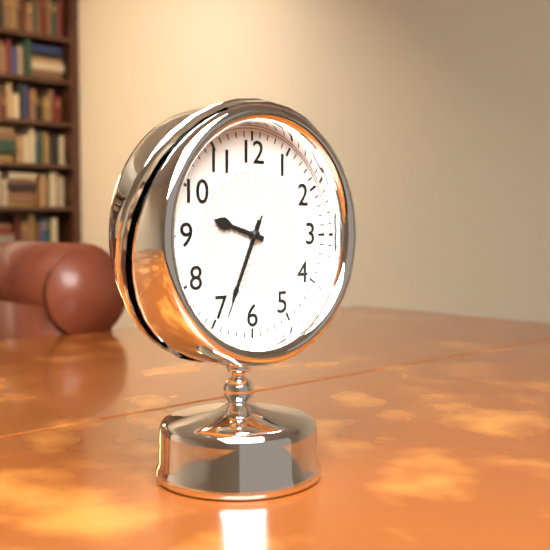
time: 9:34:34
